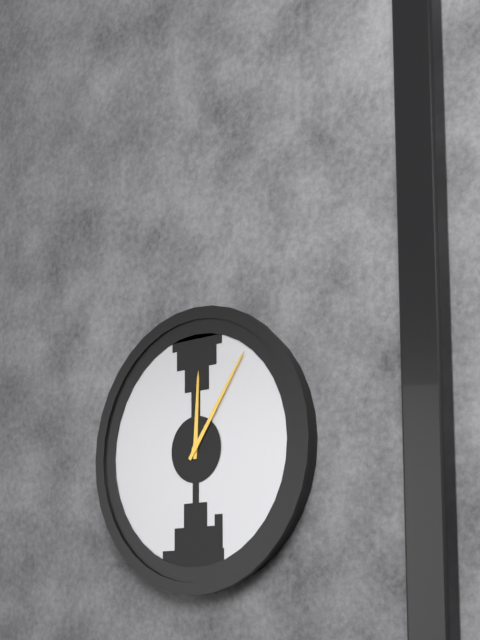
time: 12:06
